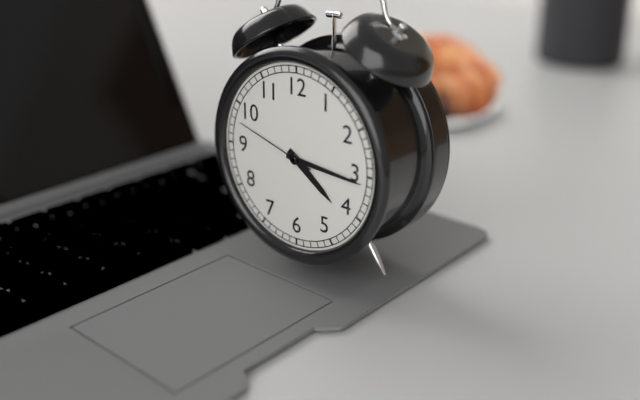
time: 4:16:48
